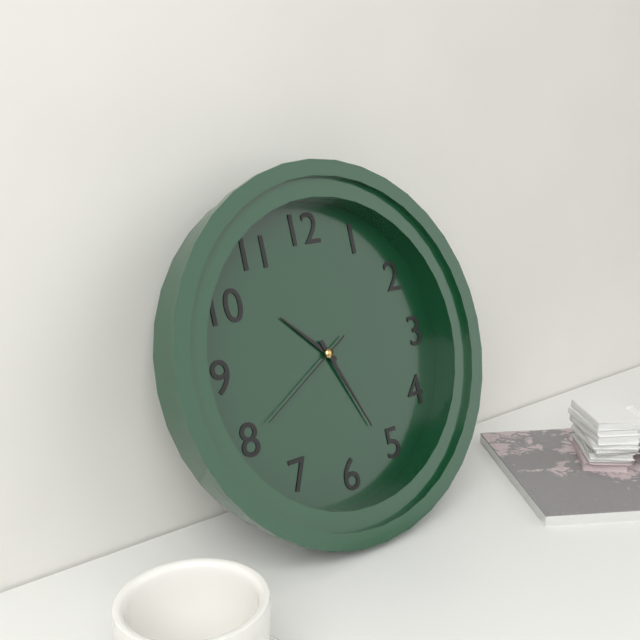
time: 10:26:40
